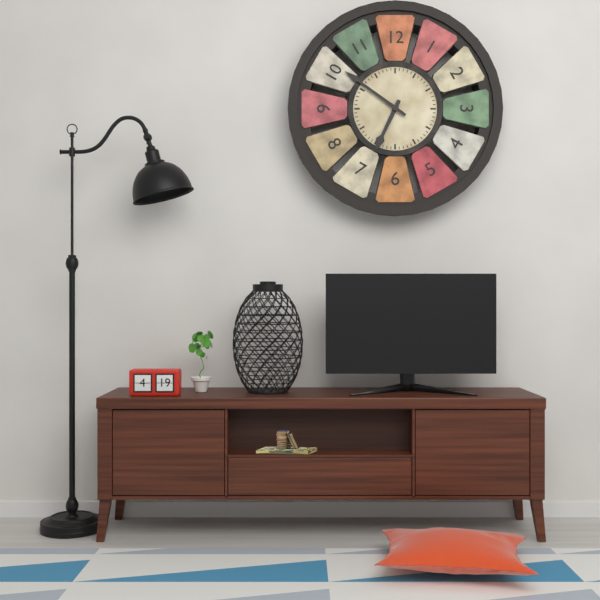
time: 6:51
